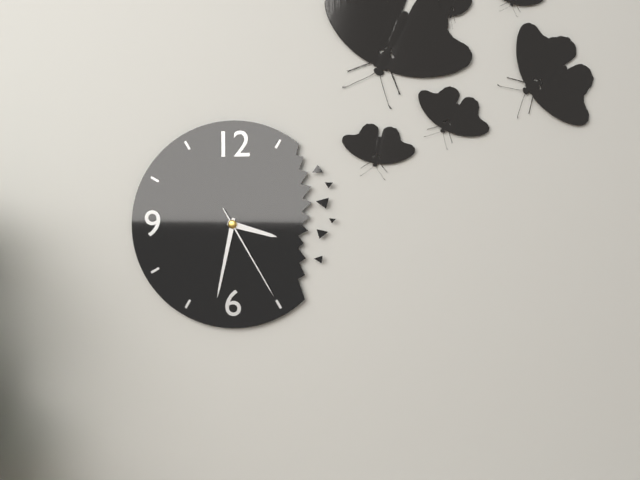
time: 3:32:25
